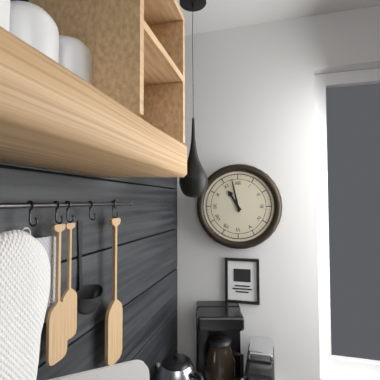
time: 10:58
